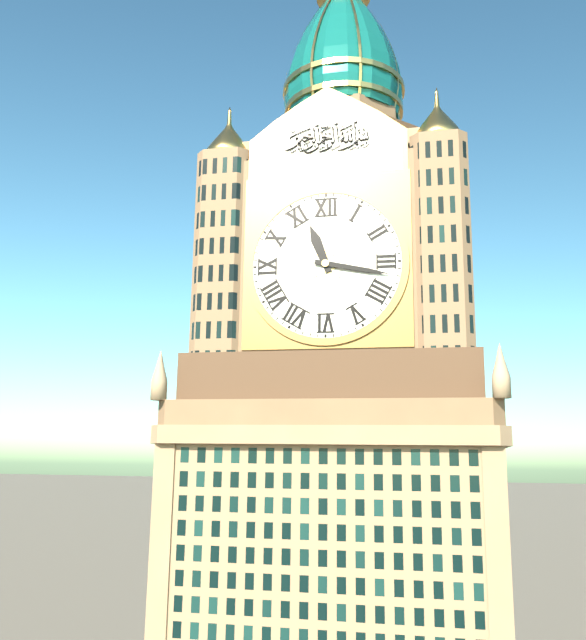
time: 11:17
